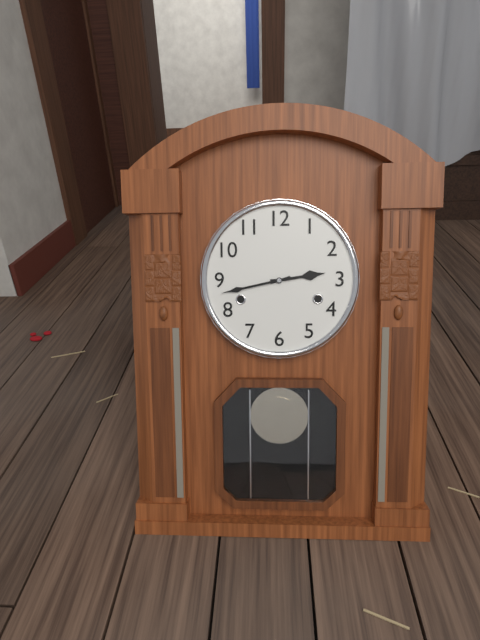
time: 2:43
